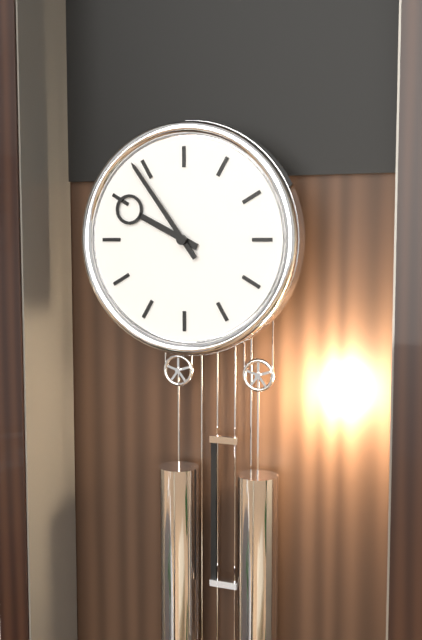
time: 9:54
